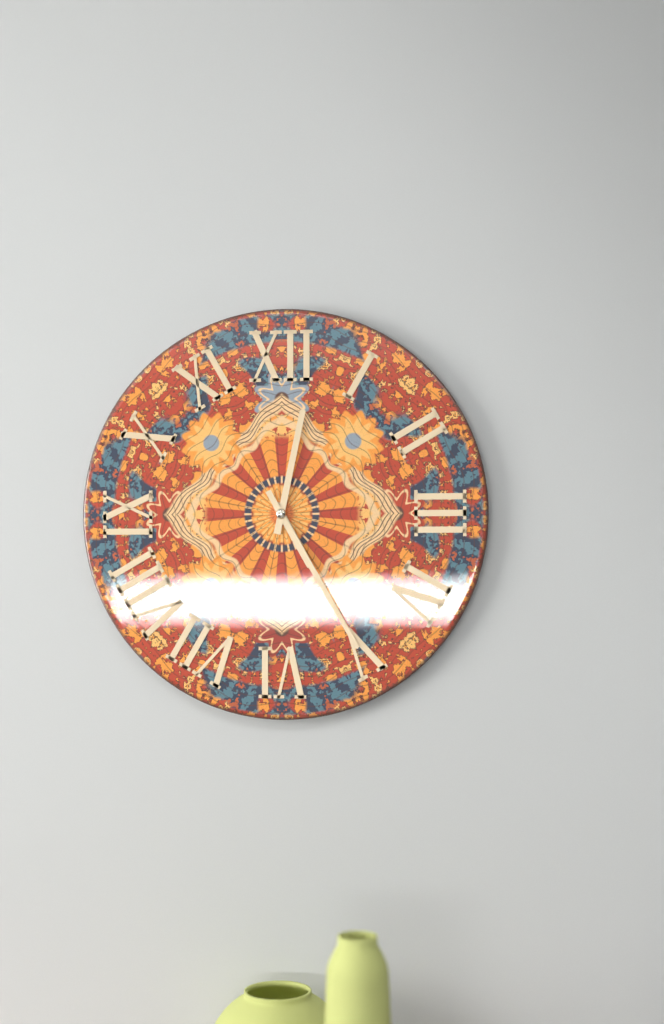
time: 5:02:25
